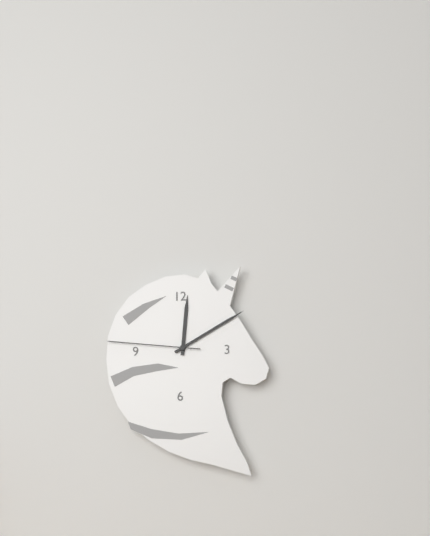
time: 12:10:46
